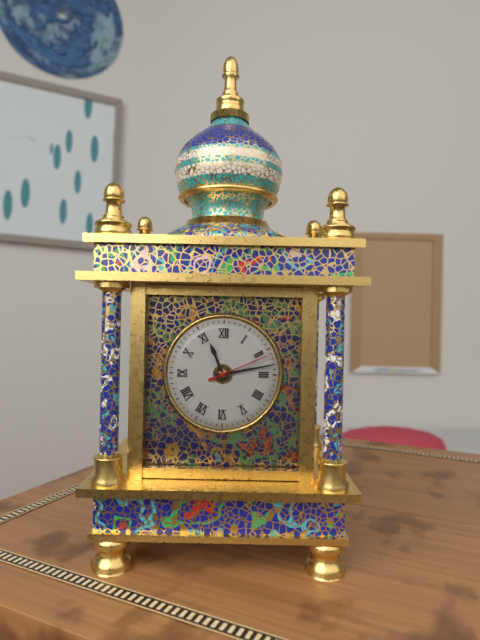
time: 11:13:11
